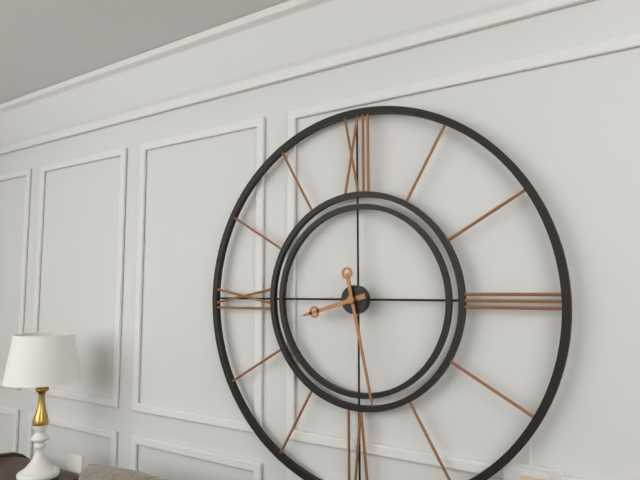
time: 8:28
